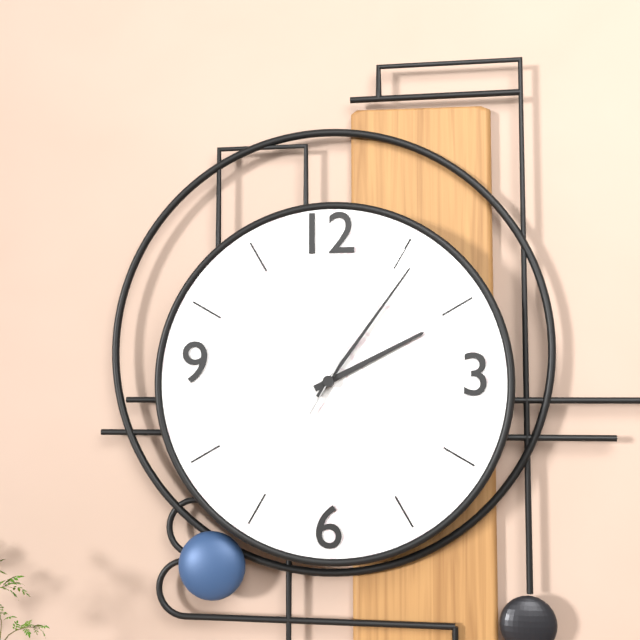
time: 2:06:05
